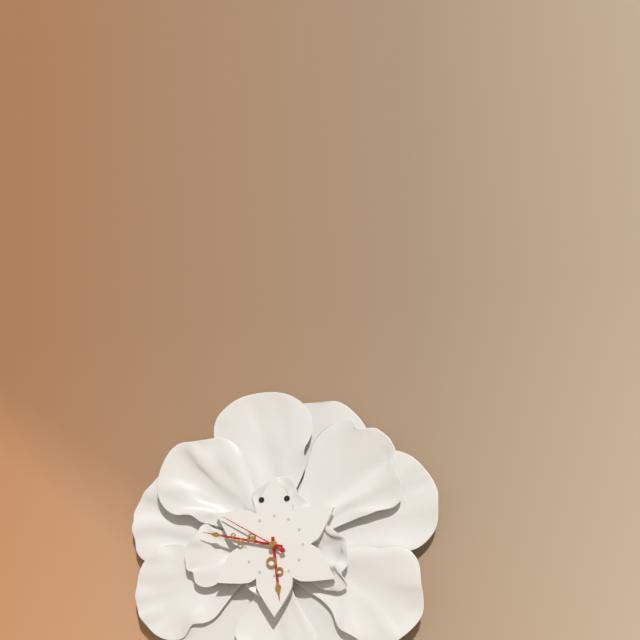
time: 5:47:50
